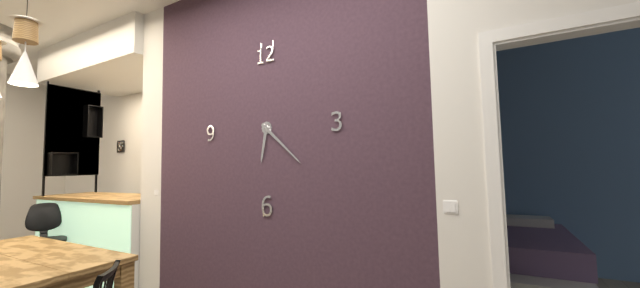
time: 6:22
